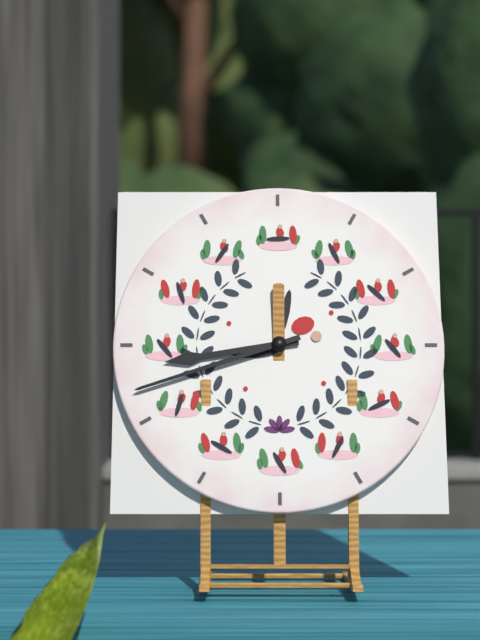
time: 8:42
